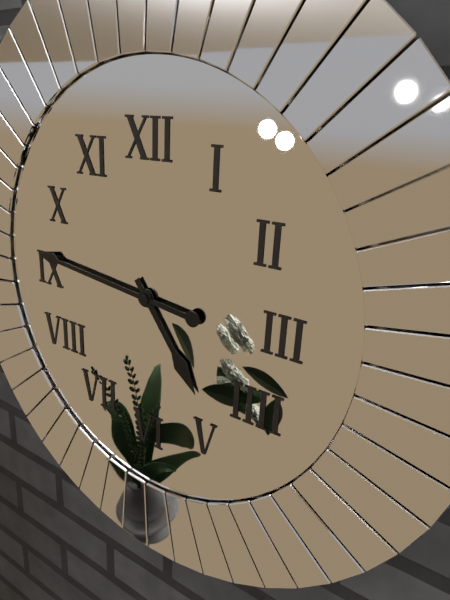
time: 4:46
